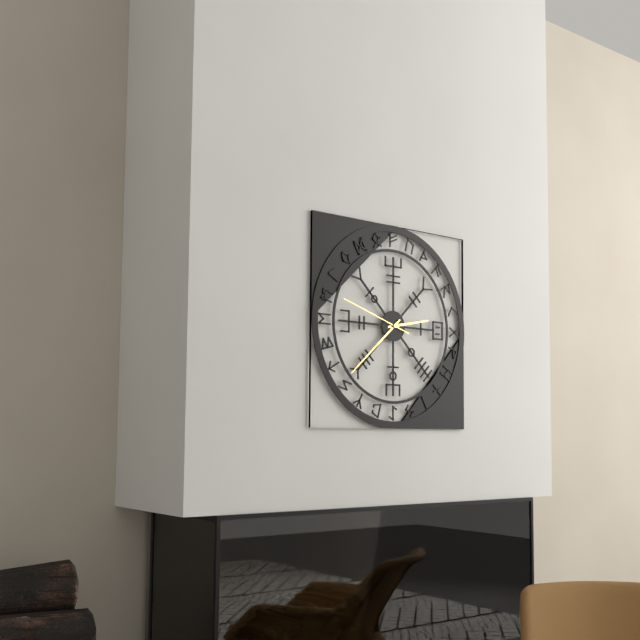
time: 2:38:48
